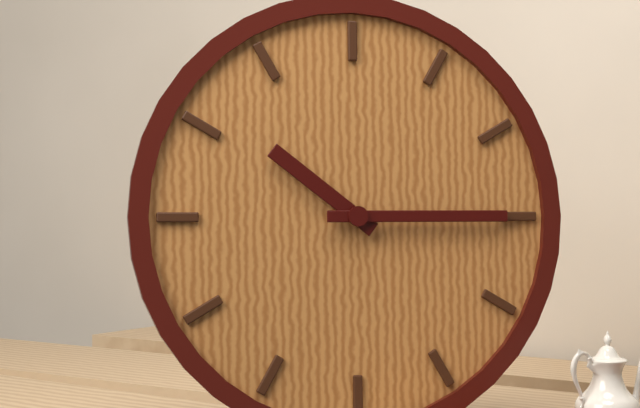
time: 10:15
